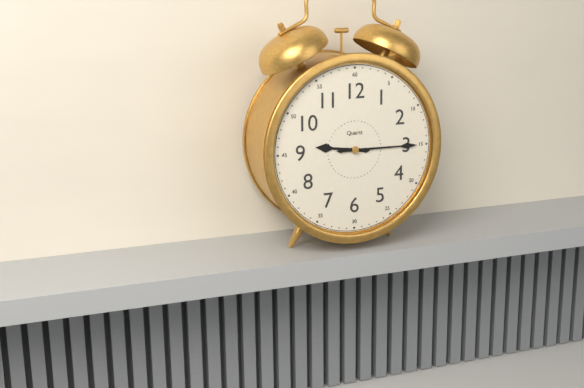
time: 9:15
